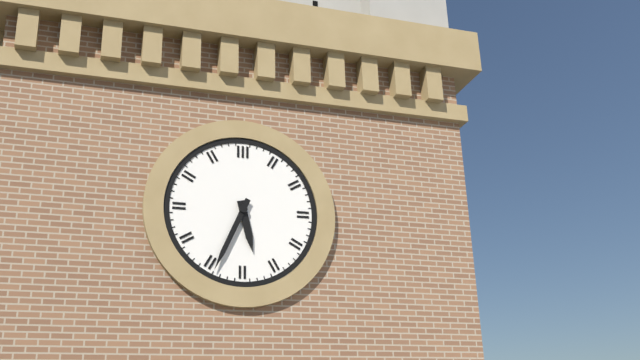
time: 5:34
